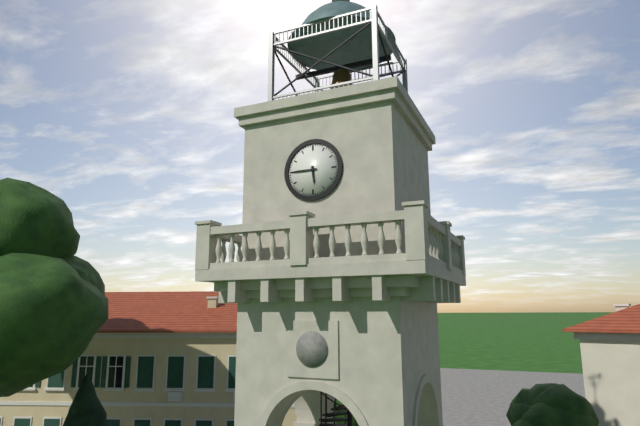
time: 5:45
